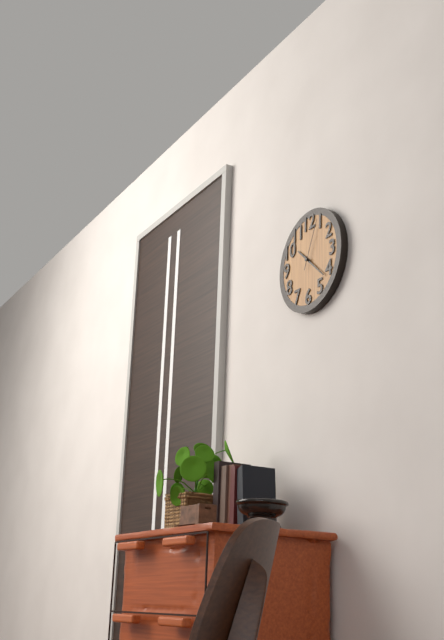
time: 10:22:04
